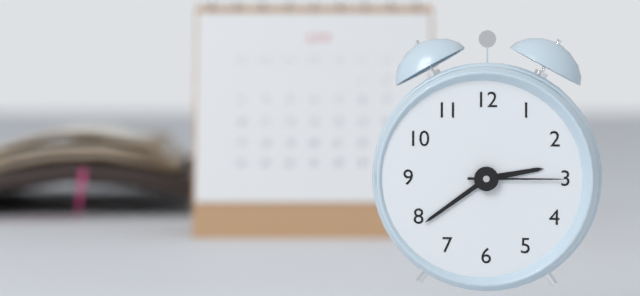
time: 2:39:15
